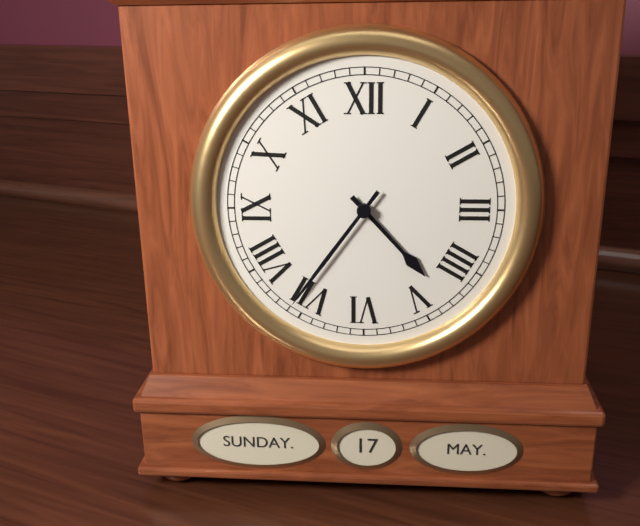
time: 4:36
